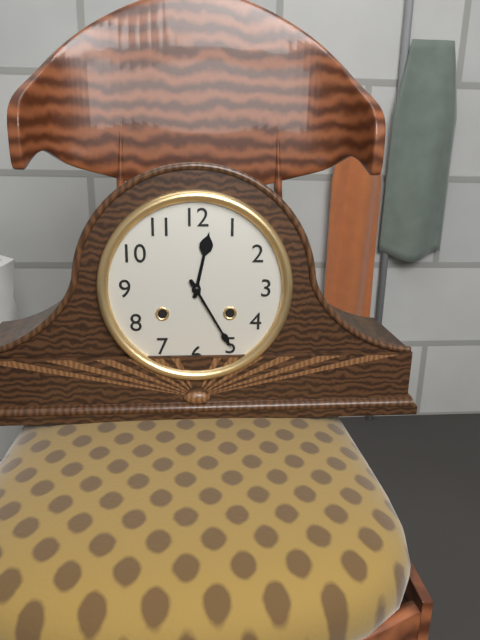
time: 12:25
